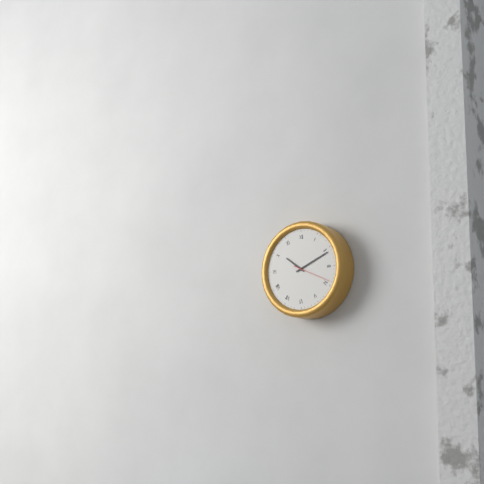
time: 10:11
